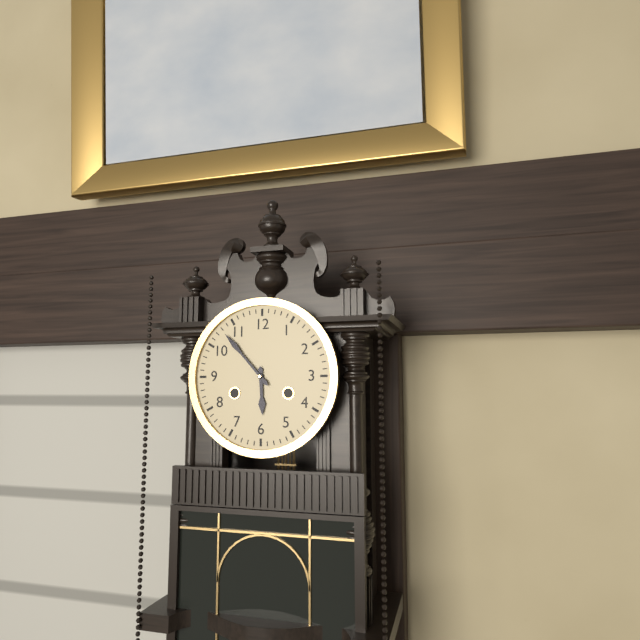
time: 5:53
